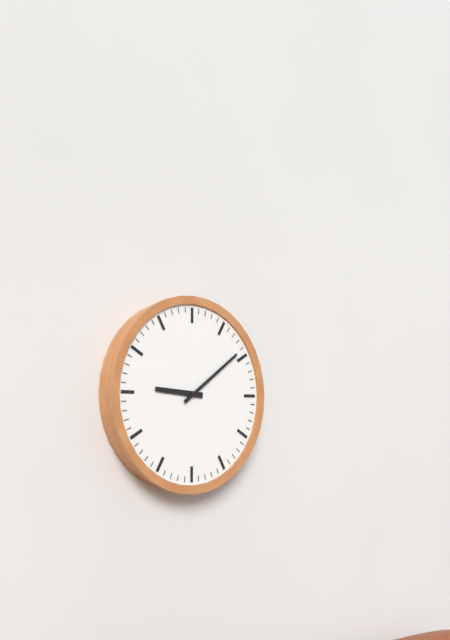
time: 9:09
